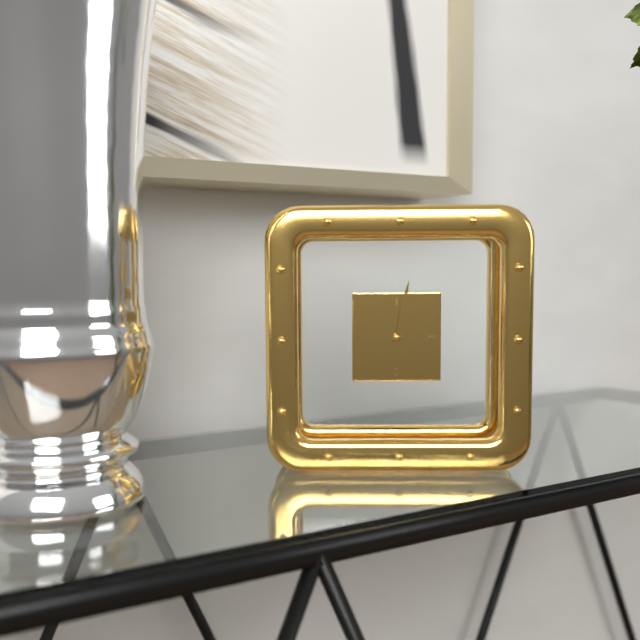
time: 9:02
